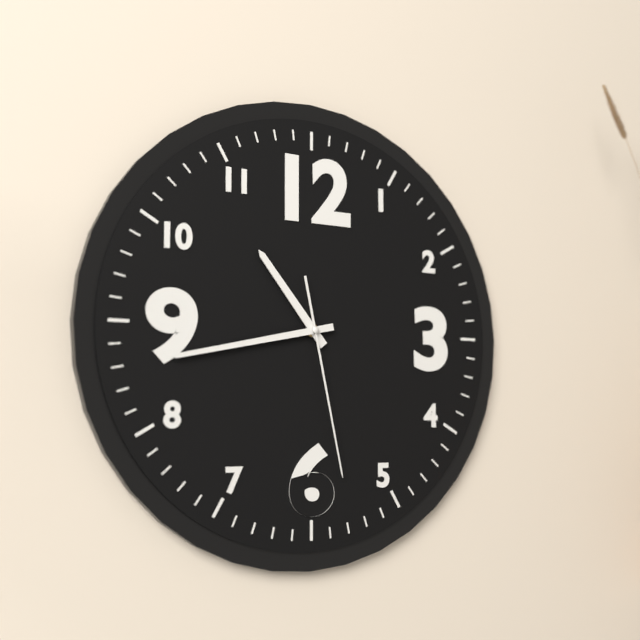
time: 10:43:28
